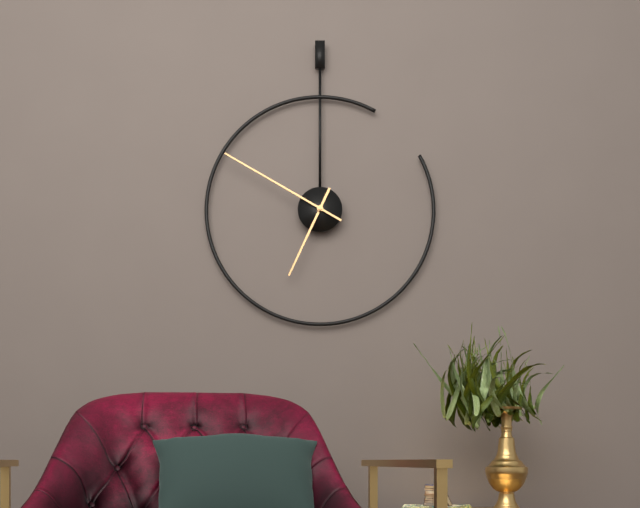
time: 6:50
